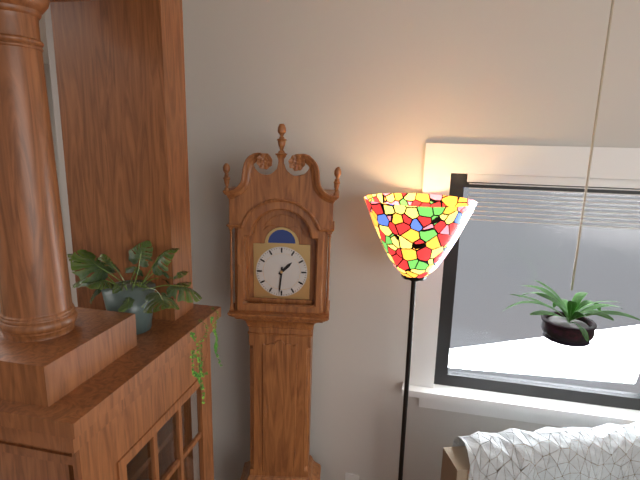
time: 1:31
